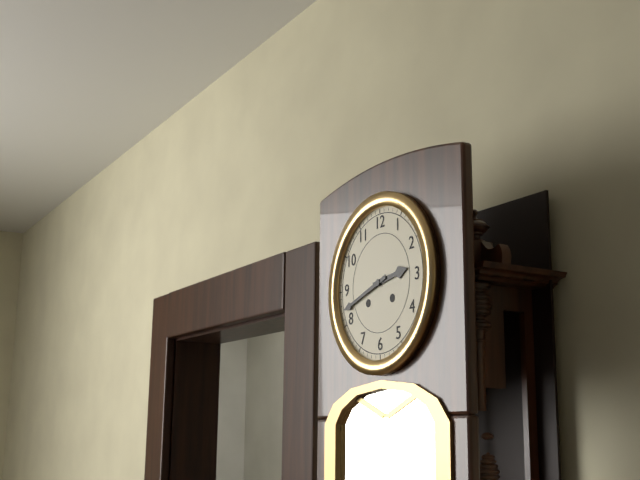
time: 2:42
